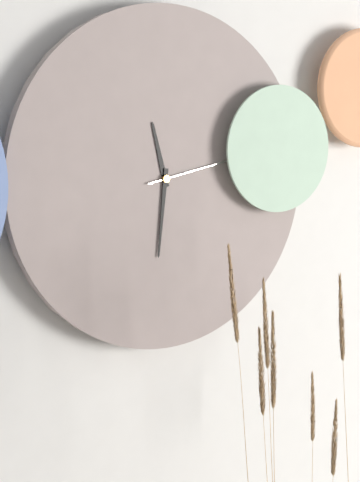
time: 11:31:13
